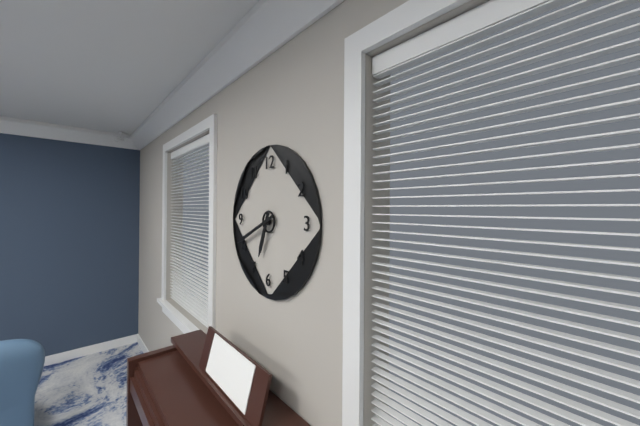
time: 6:41
